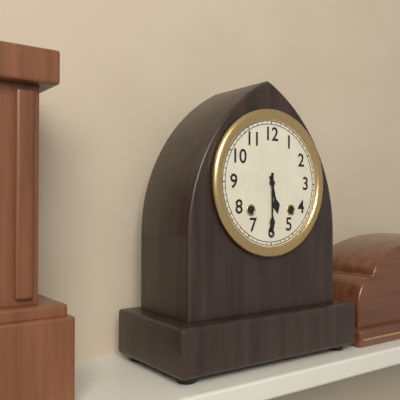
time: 5:30
